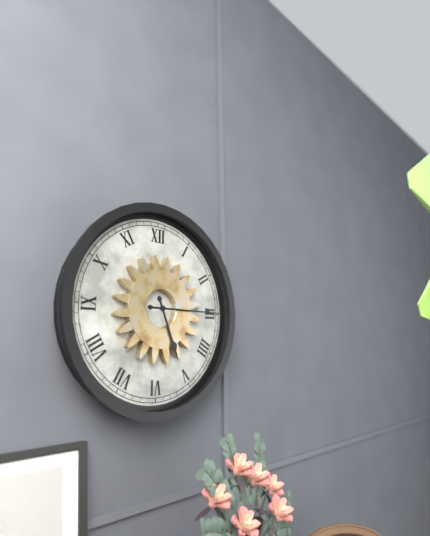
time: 5:15
